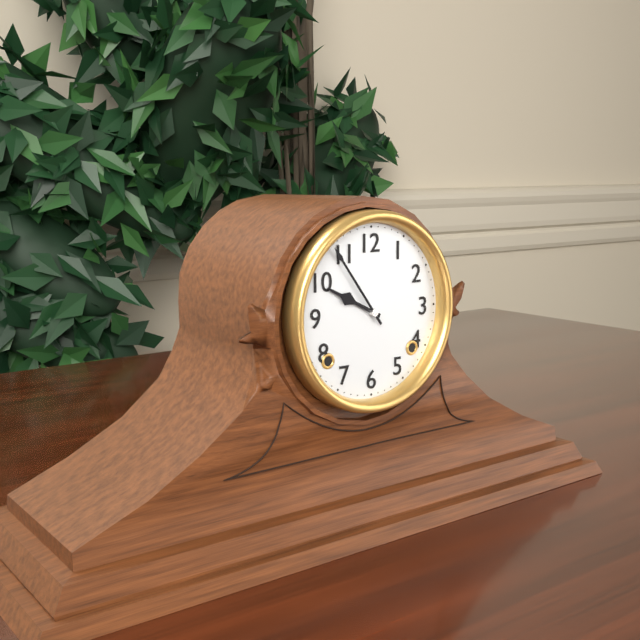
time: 9:54
